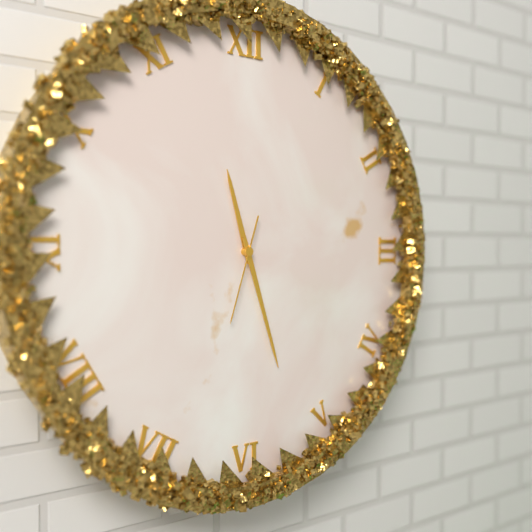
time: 11:27:33
